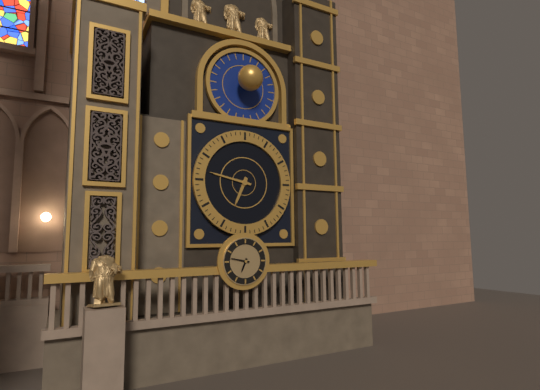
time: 6:47
